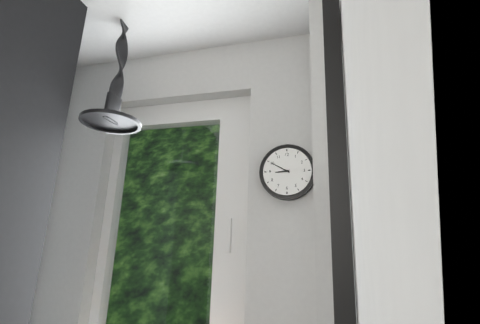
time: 8:50
